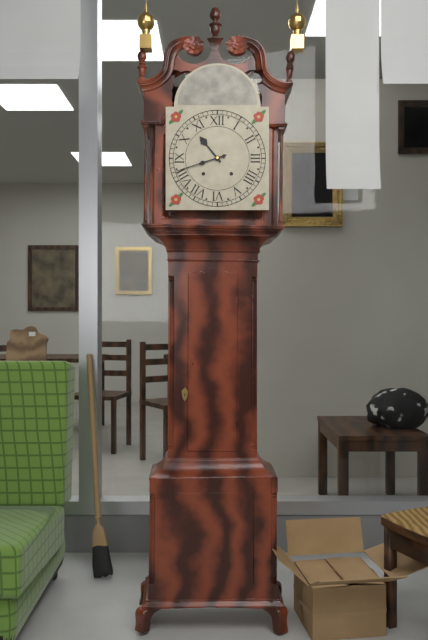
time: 10:42
